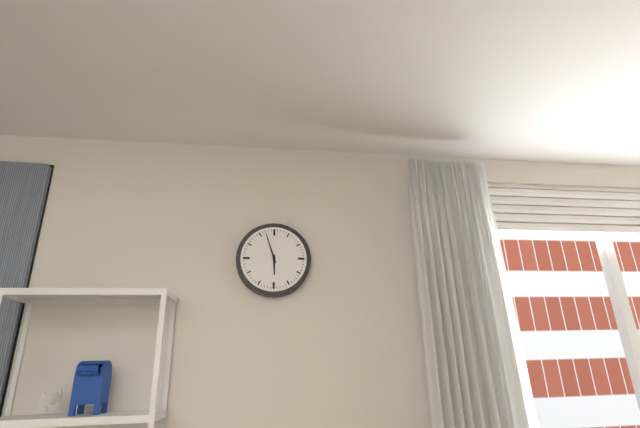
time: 5:57
